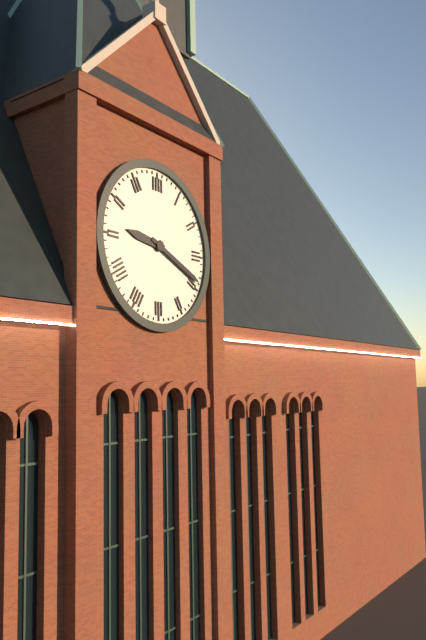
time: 9:19
